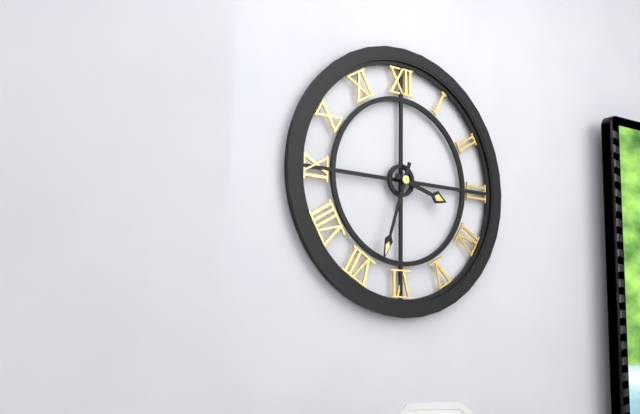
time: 3:33
